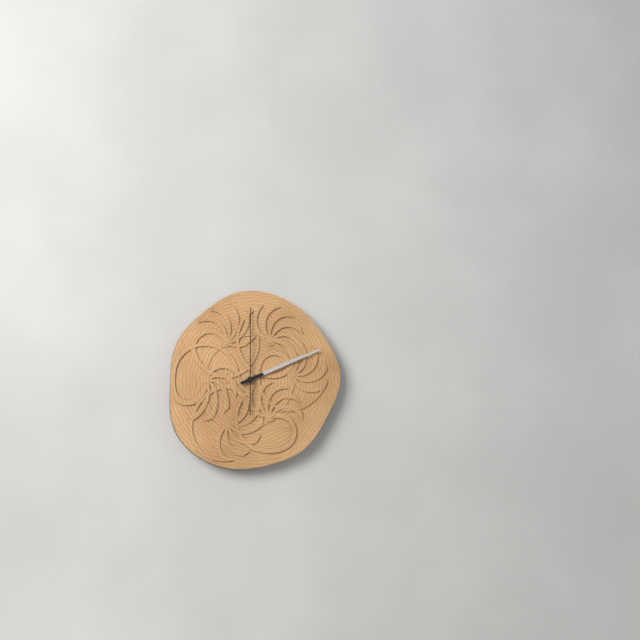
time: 2:11:00
